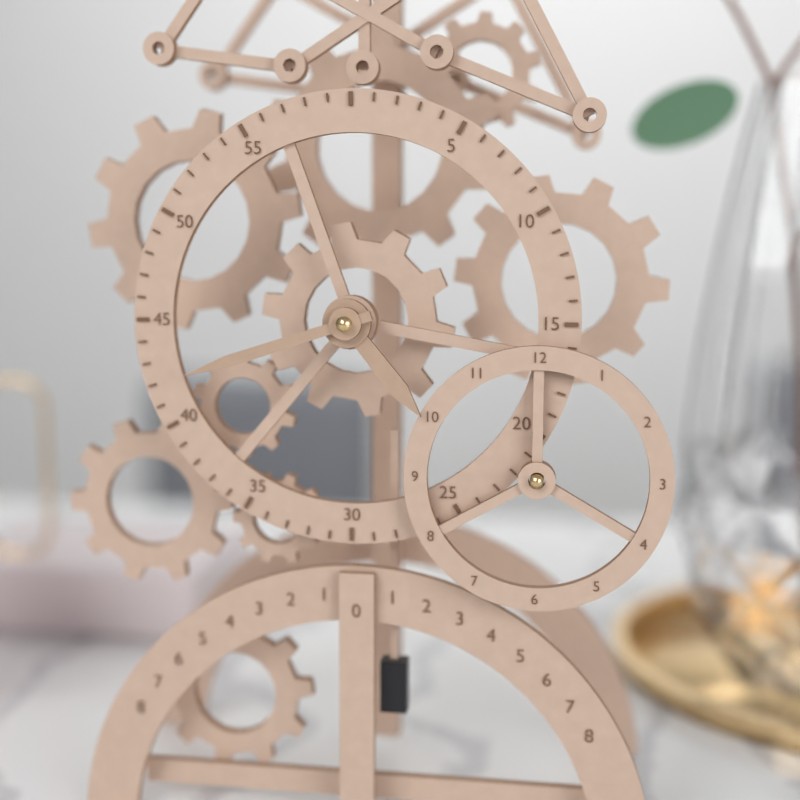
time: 4:42
